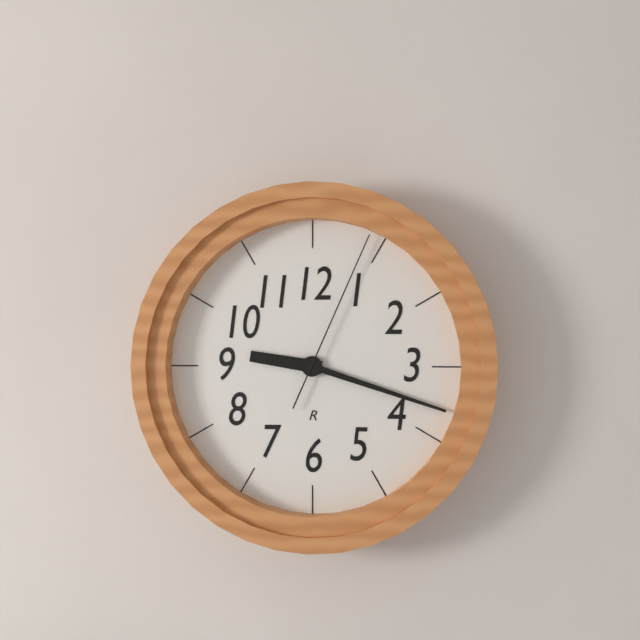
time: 9:18:04
